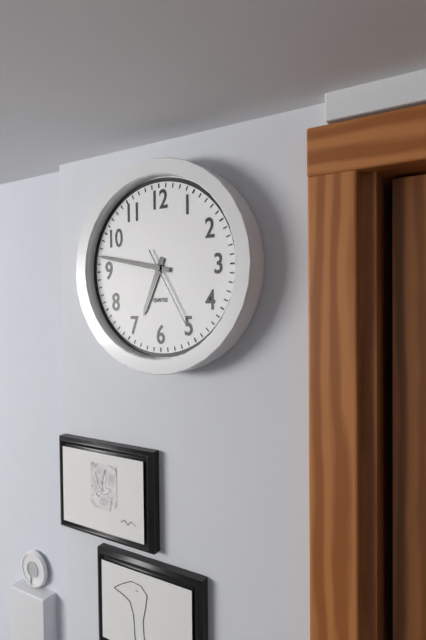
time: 6:47:25
